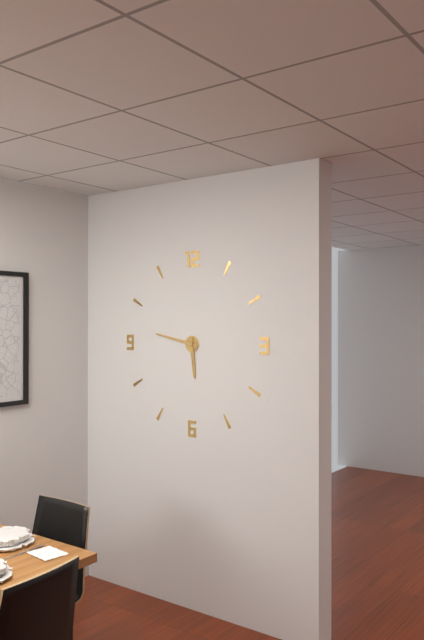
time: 5:47
